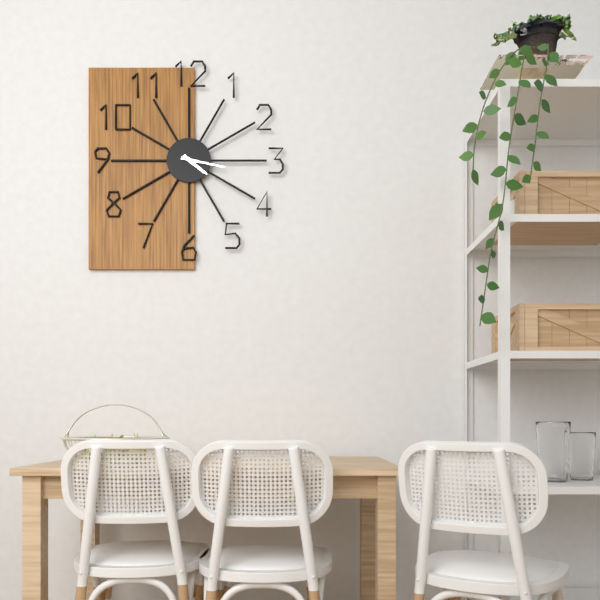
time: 4:17
